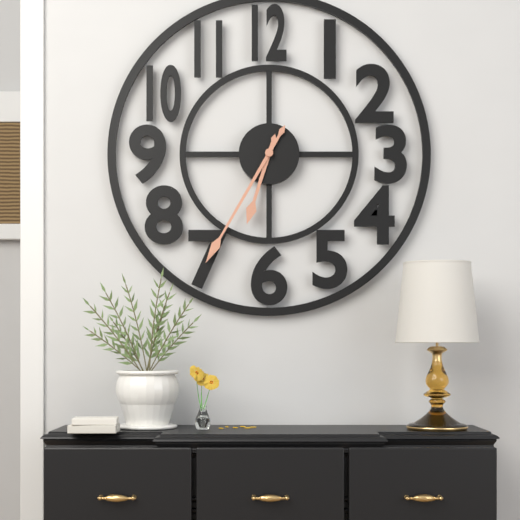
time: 6:35
